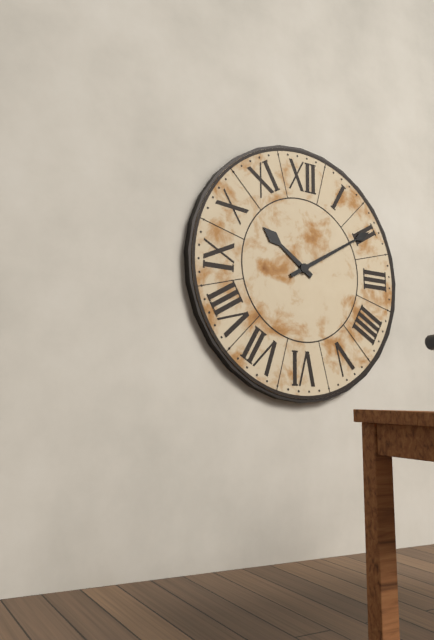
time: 10:10
